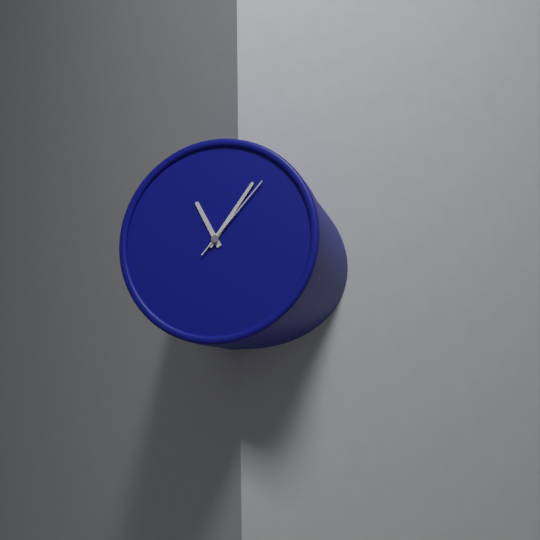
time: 11:06:07
